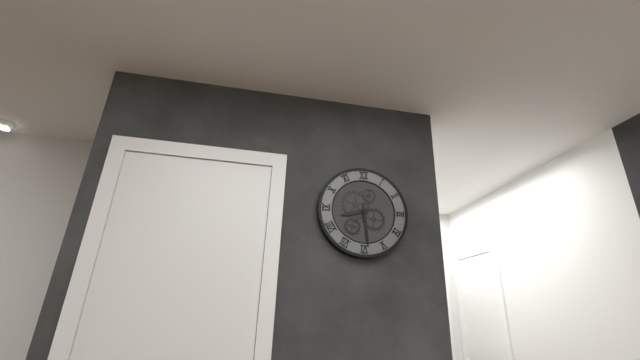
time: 8:29
